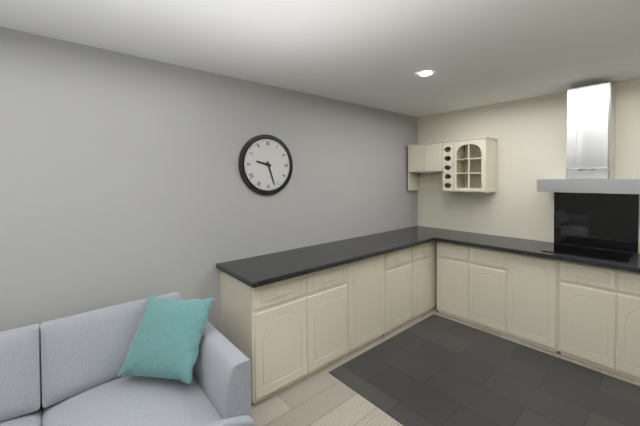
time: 9:27
